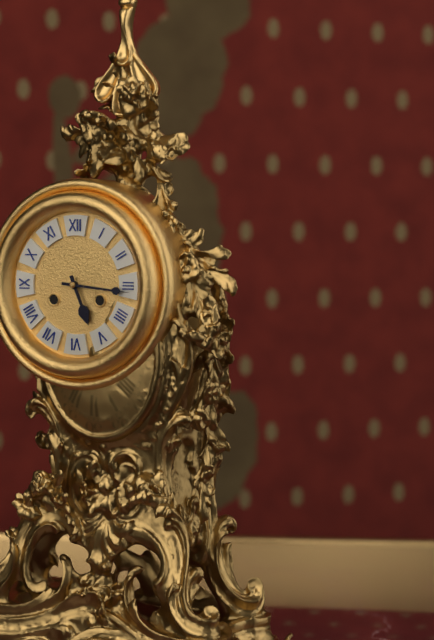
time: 5:16
